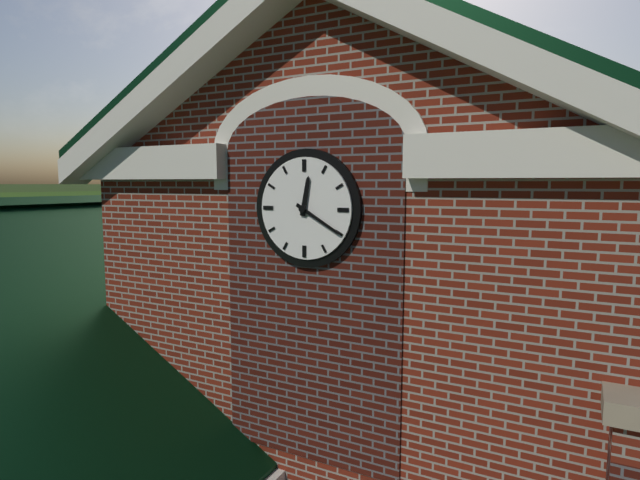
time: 12:20
